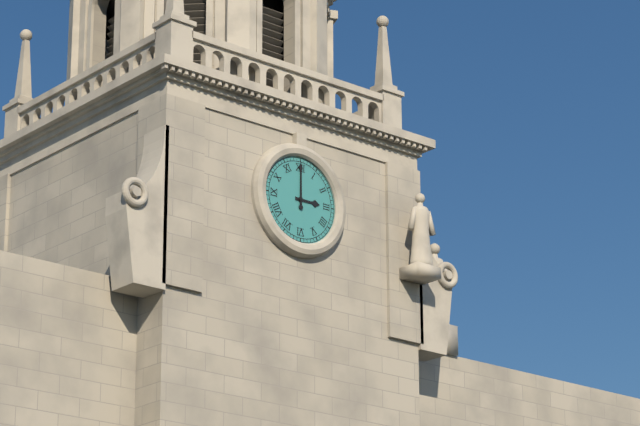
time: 3:00
